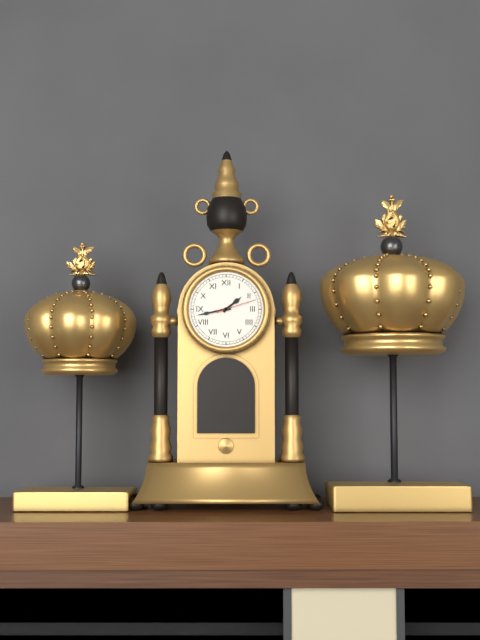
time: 1:43
